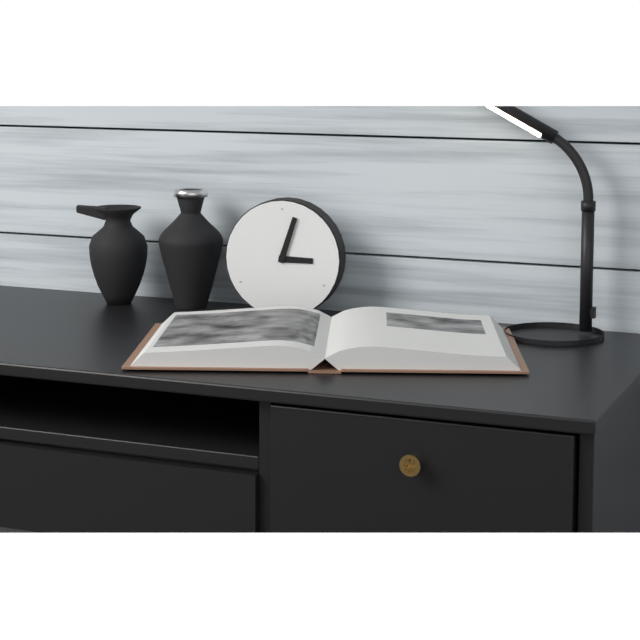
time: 3:03
